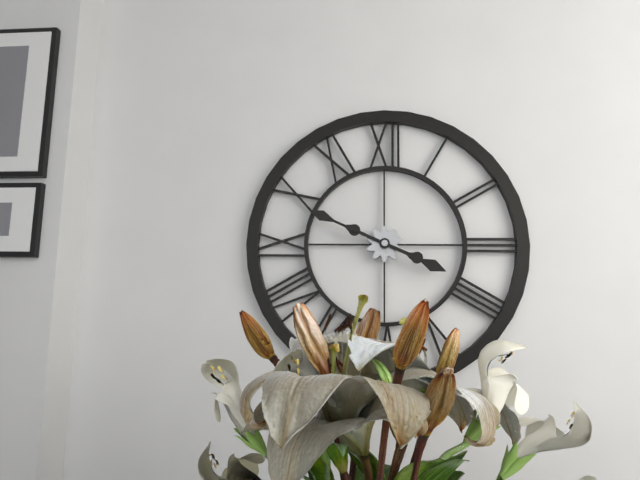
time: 3:49
